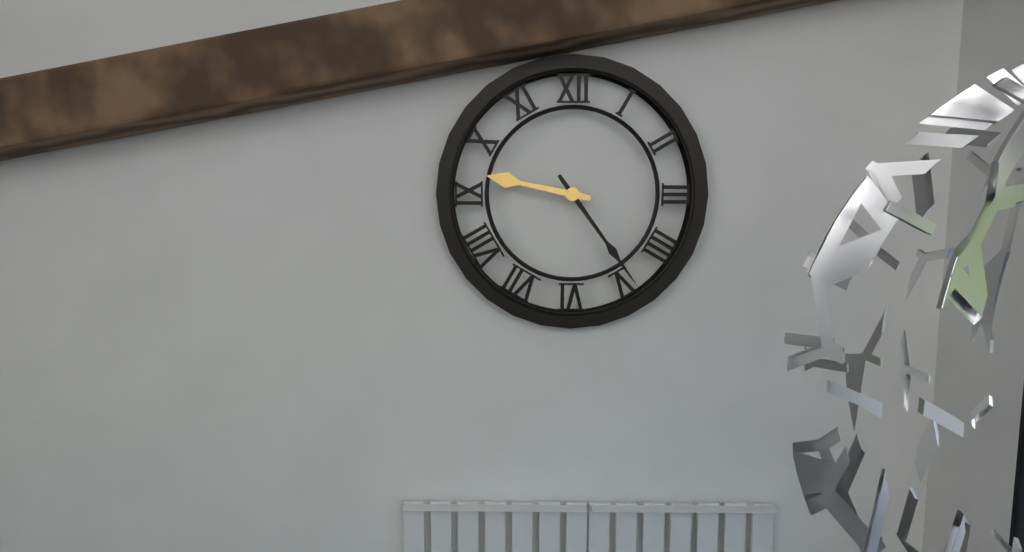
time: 9:24
